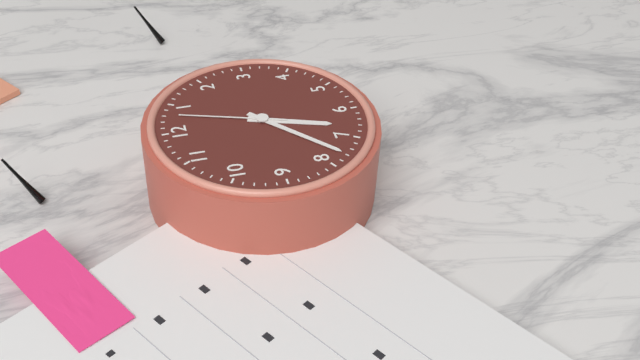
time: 6:38:03
